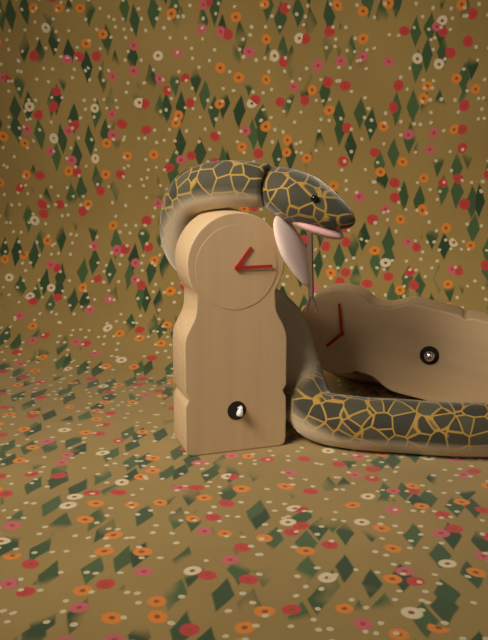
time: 1:15
